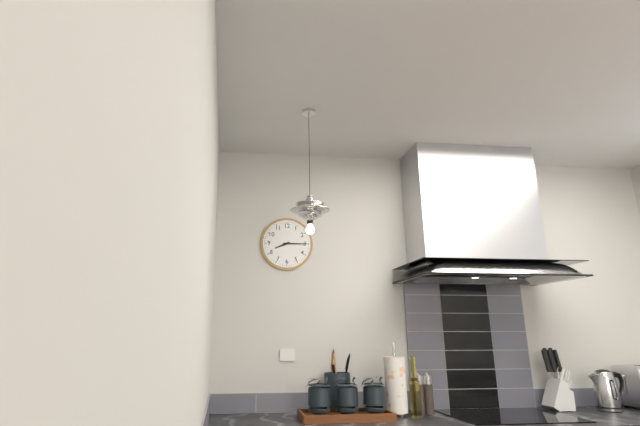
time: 8:15
